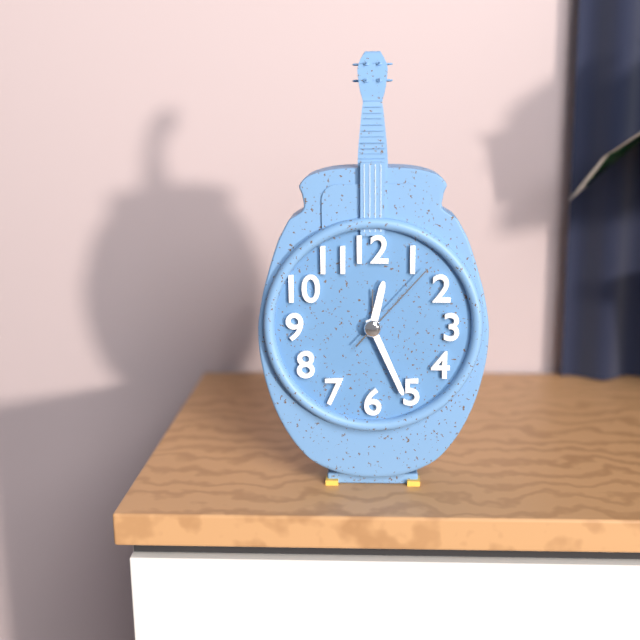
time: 12:26:07
